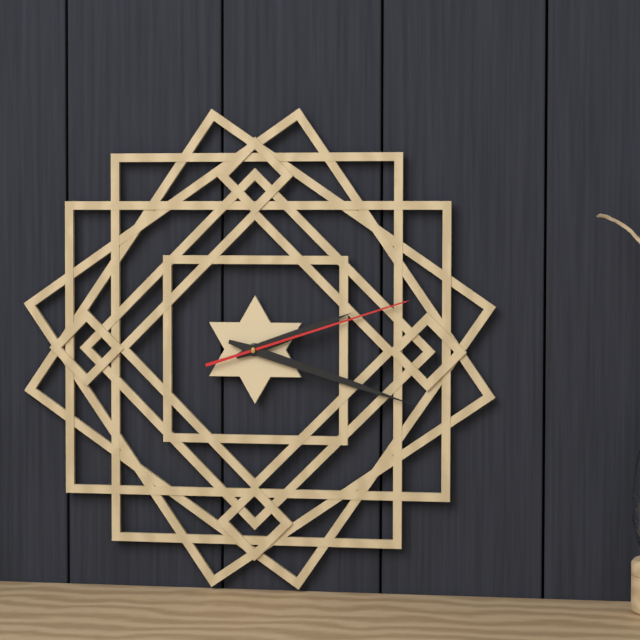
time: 2:18:12
